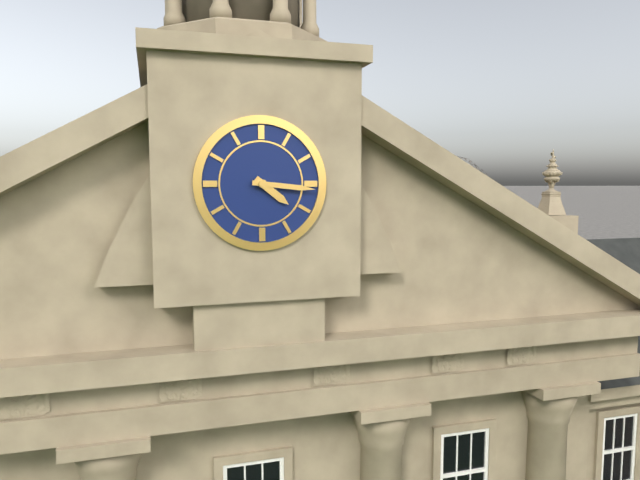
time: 4:16
